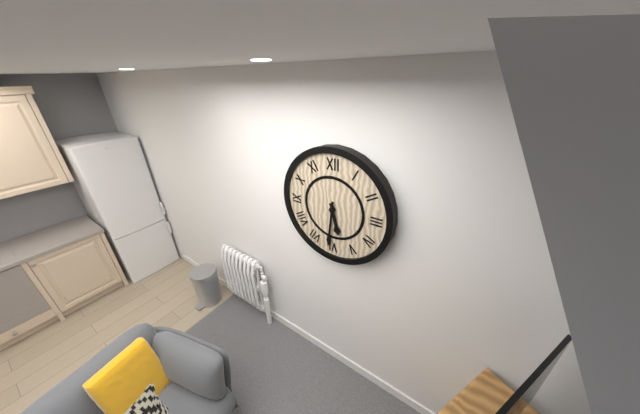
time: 5:31
